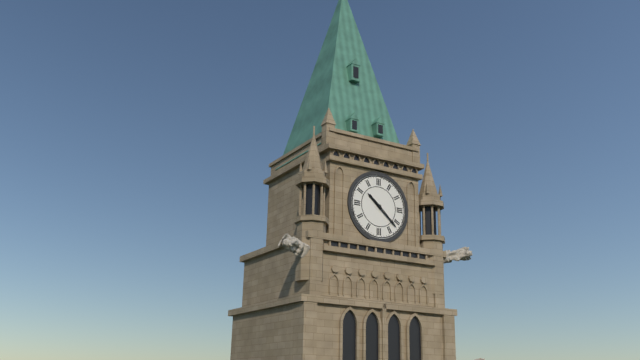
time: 10:22
